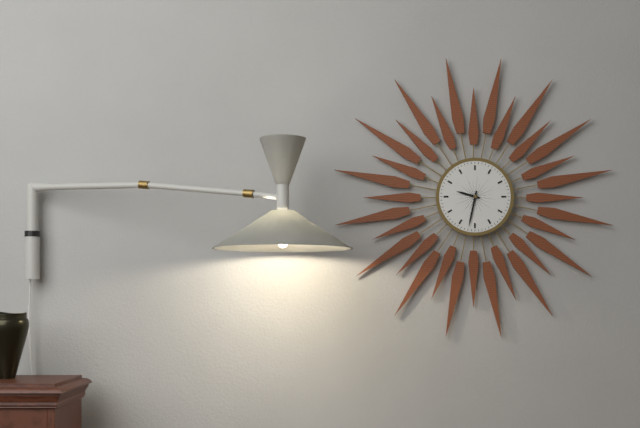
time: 9:32
